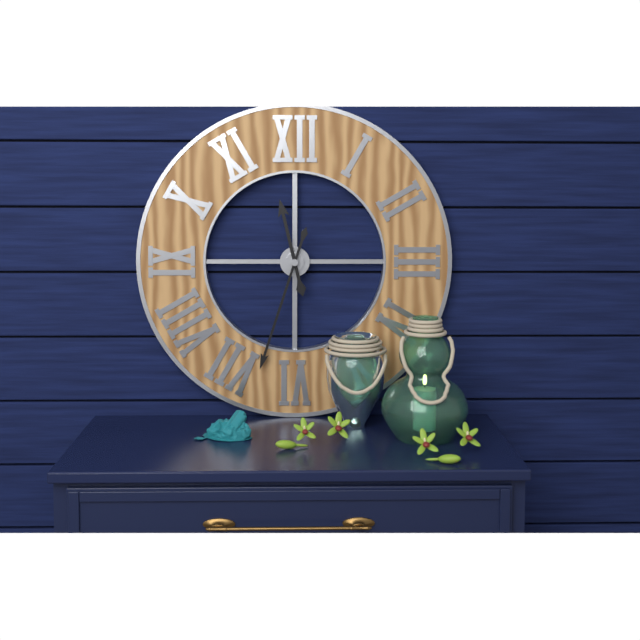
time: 11:33
